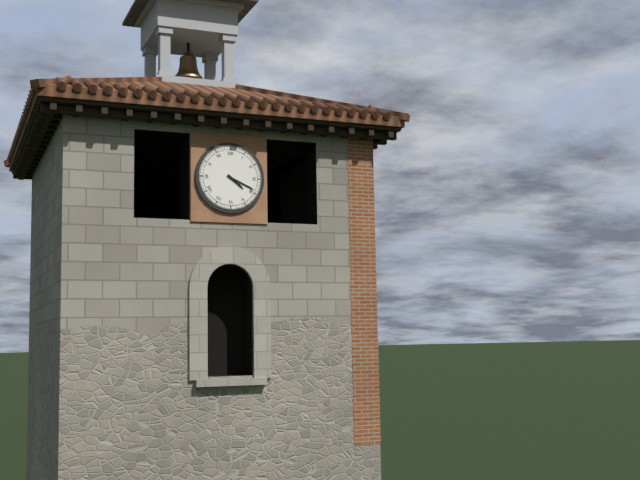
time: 4:19
